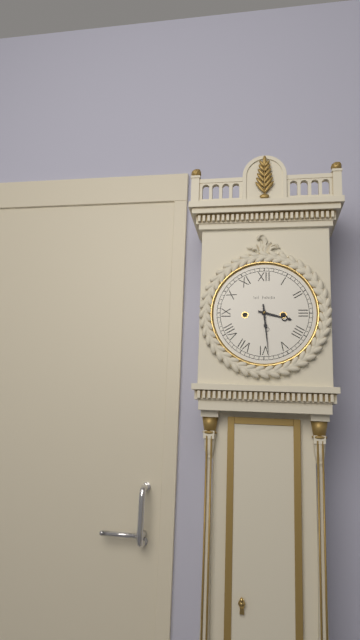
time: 3:29
